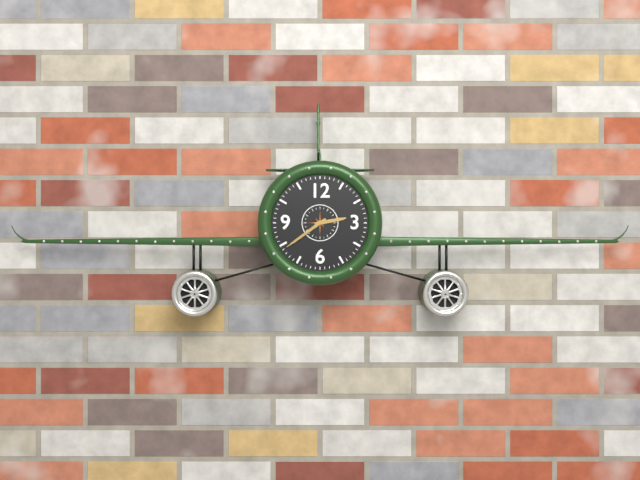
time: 2:39
